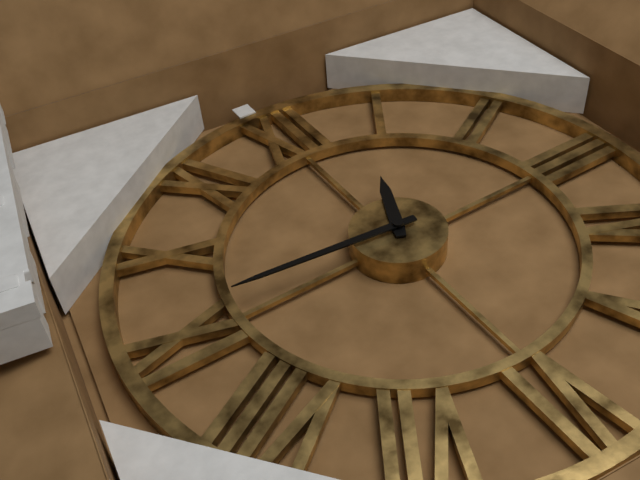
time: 12:46
